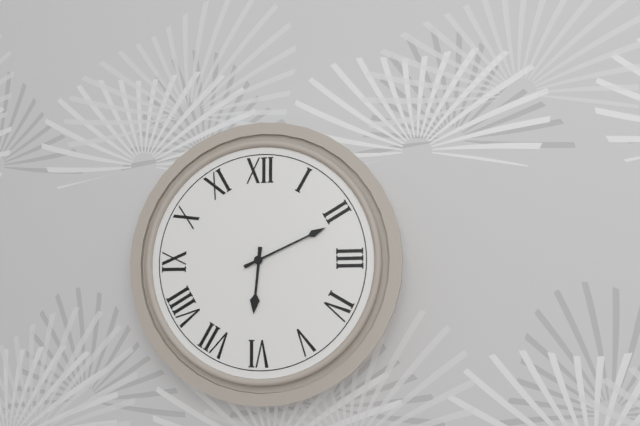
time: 6:11
